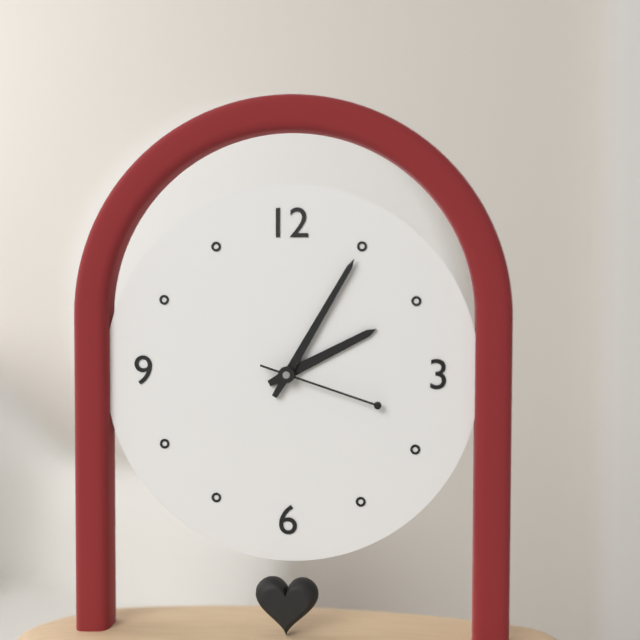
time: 2:05:18
